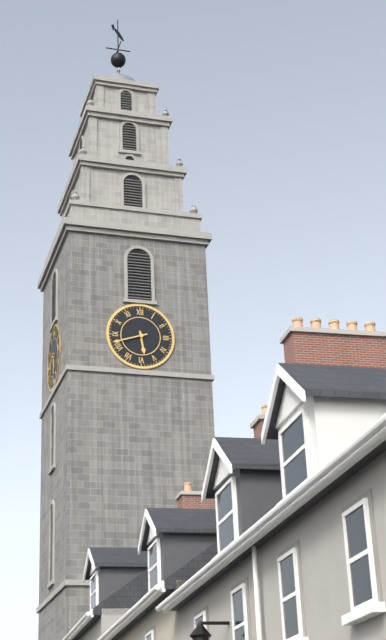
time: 5:42
